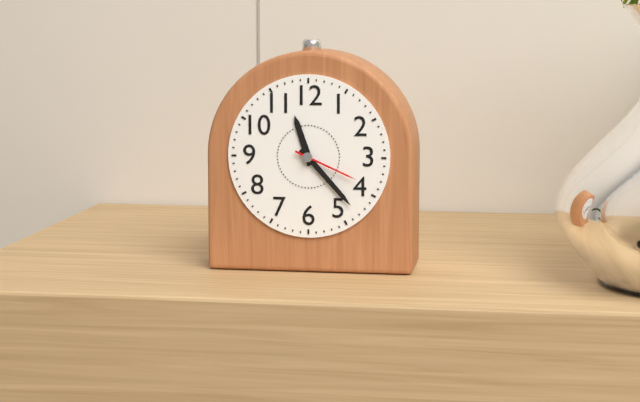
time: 11:23:19
